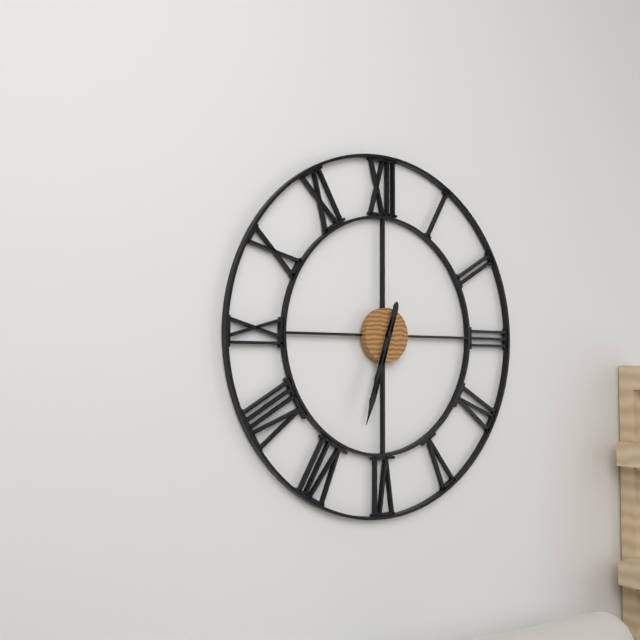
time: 6:33
